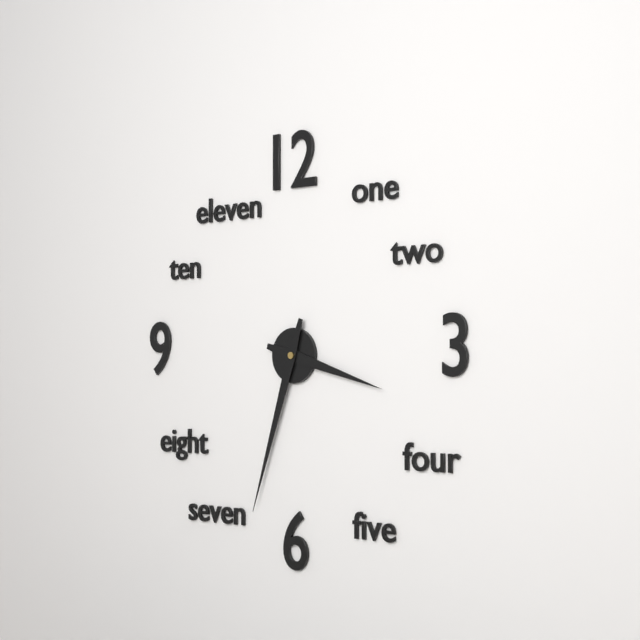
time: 3:33
